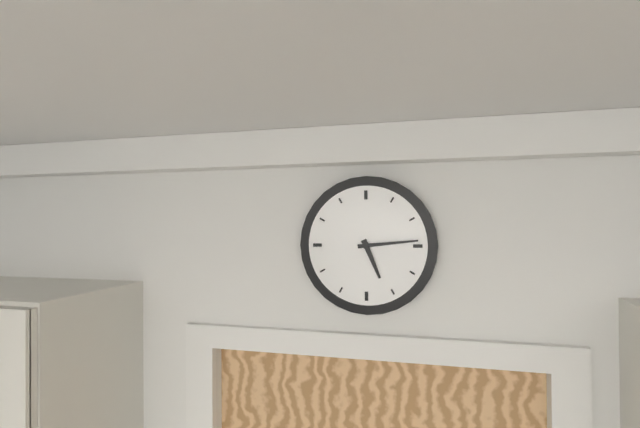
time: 5:14
